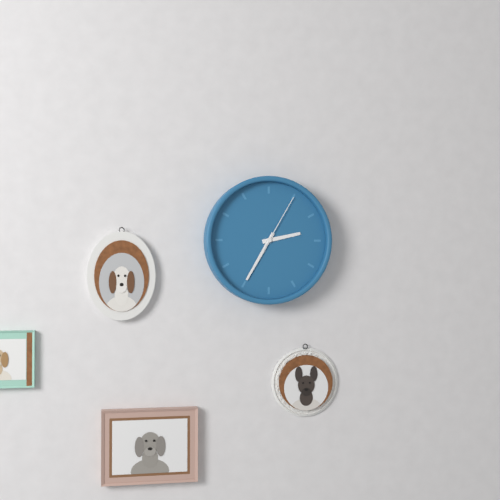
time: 2:35:05
